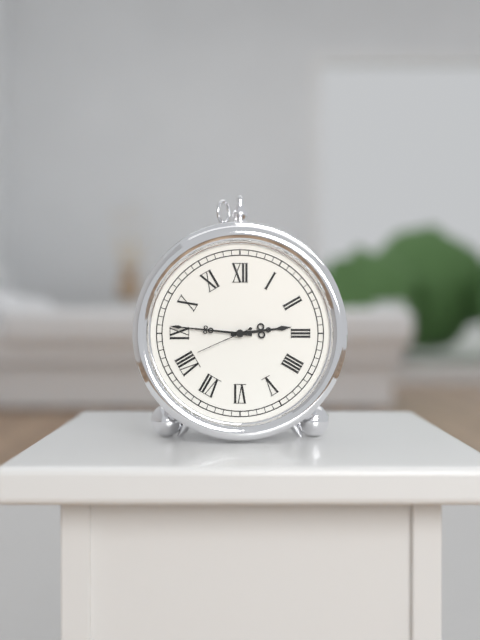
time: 2:46:41
